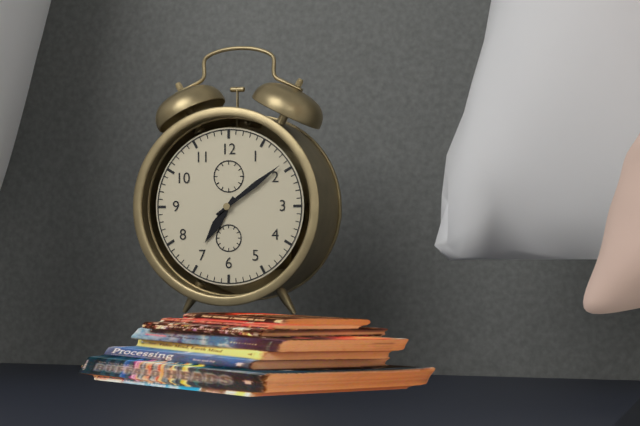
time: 7:09
